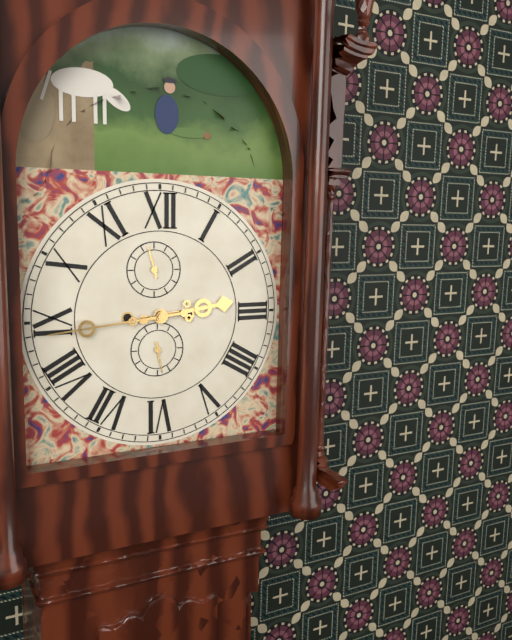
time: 2:44
